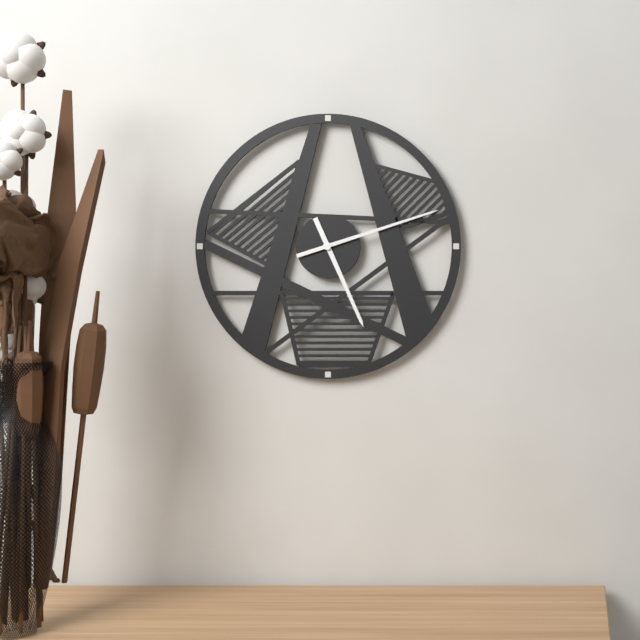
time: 5:12
